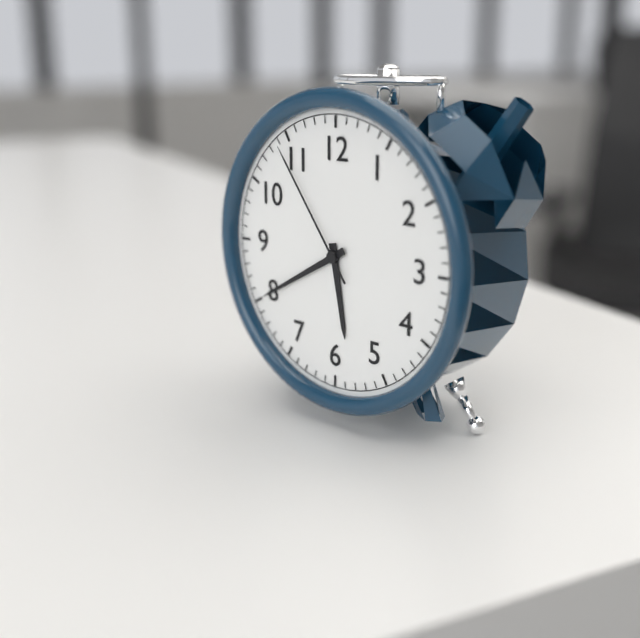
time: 5:40:54
